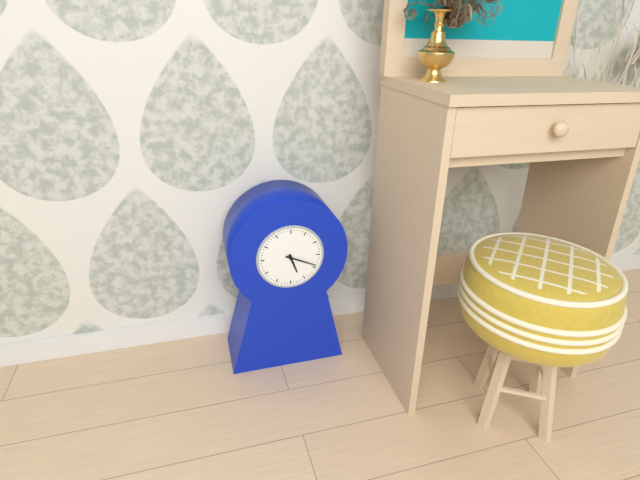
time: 5:19
